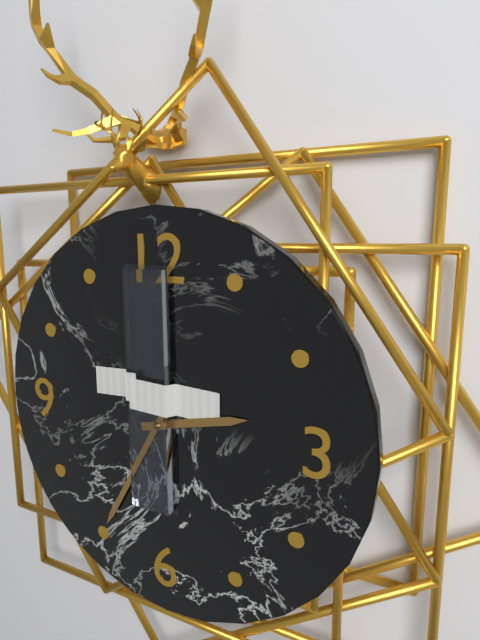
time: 2:35
